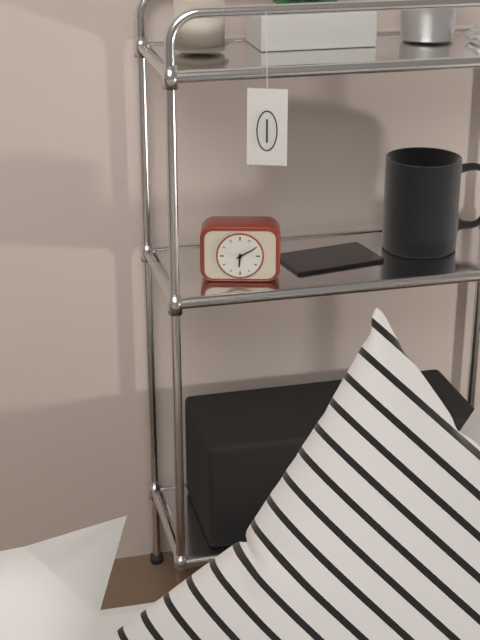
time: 6:10
